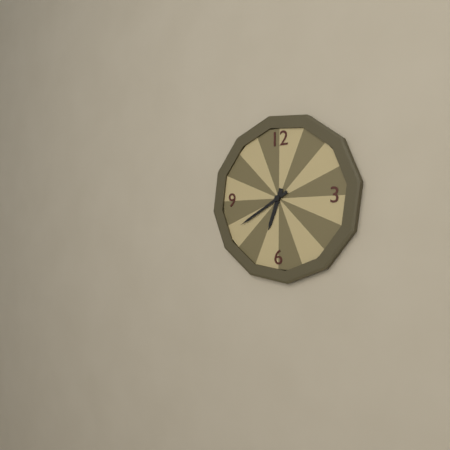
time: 6:40
